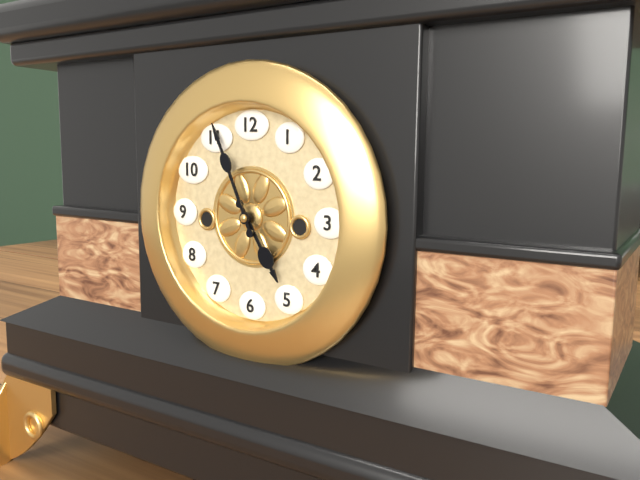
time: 4:56
